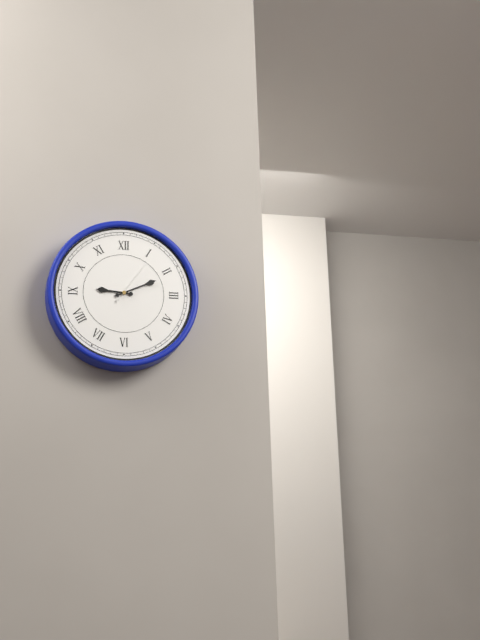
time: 9:11
